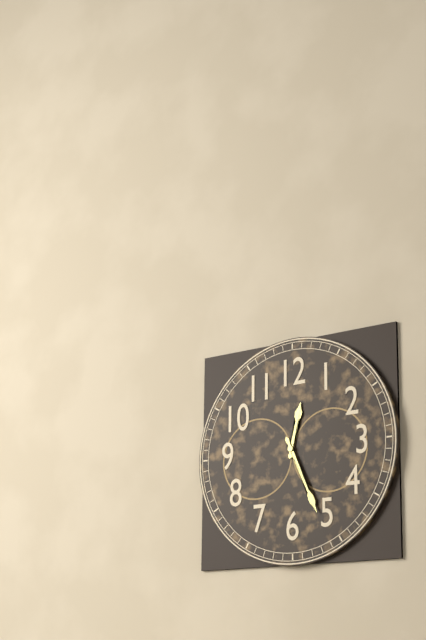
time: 12:26
